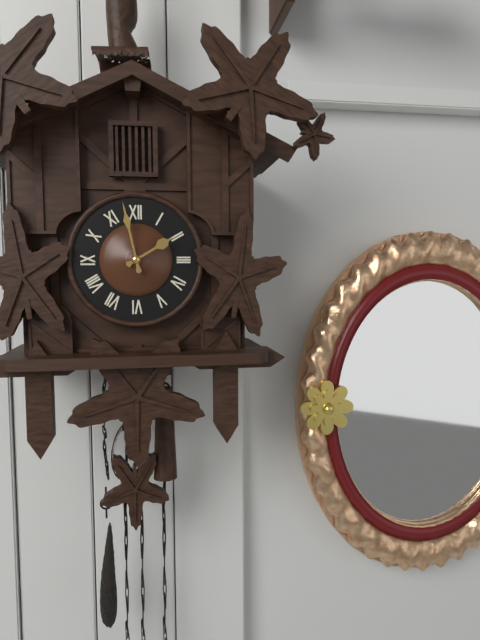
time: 1:58
